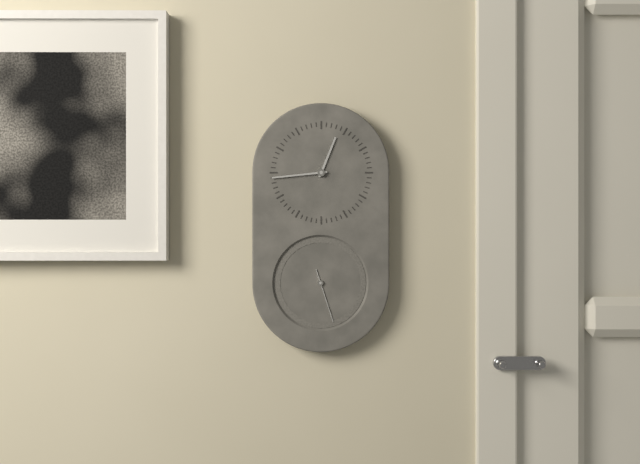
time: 12:44:27
